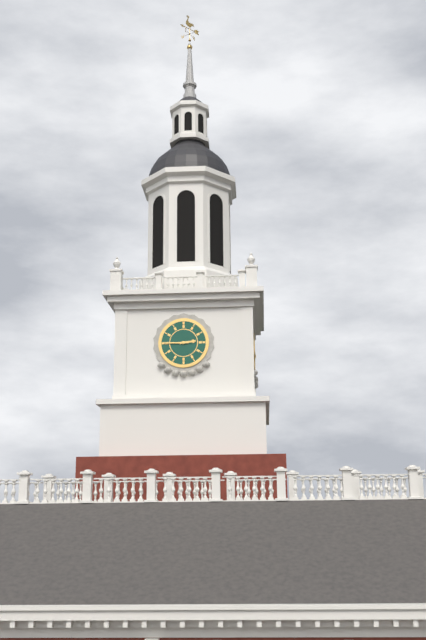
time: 2:45
